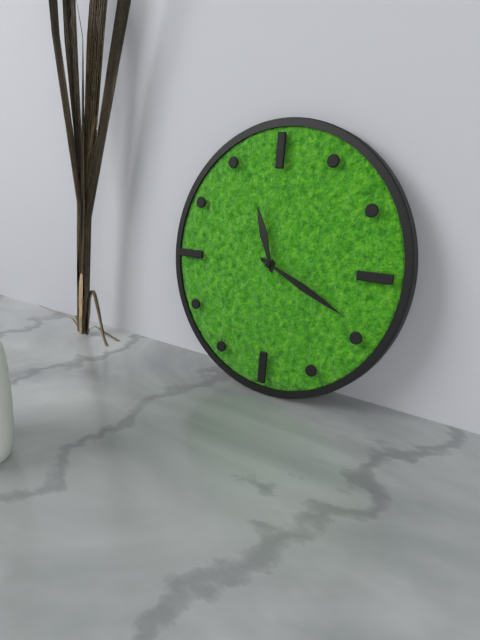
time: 11:19
